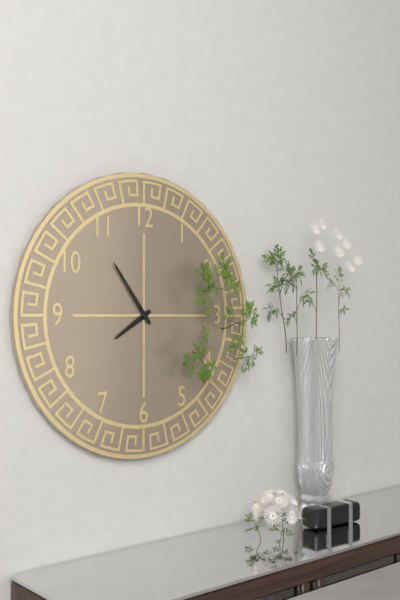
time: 7:54
